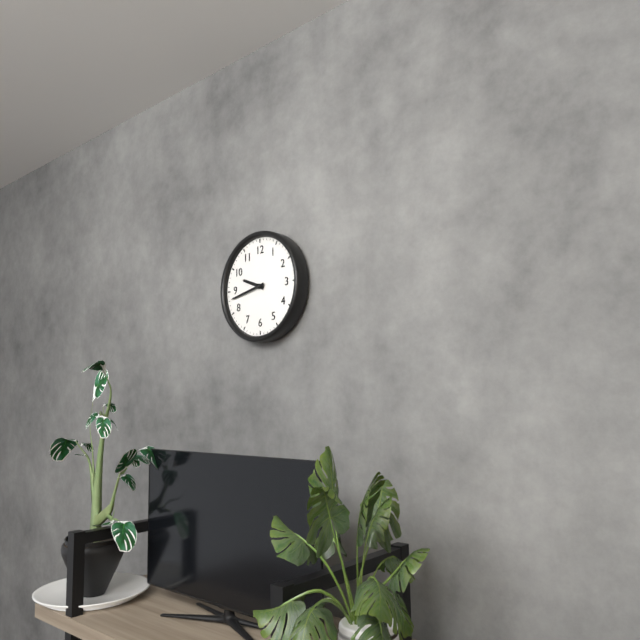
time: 9:43
